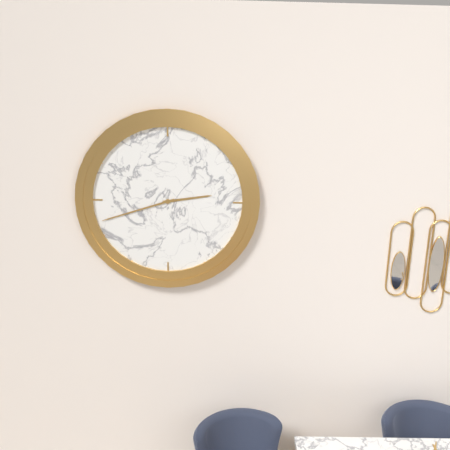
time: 2:42
